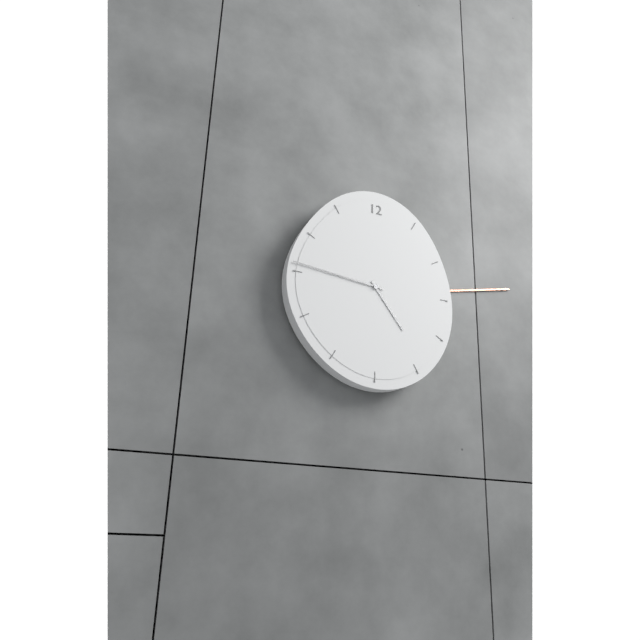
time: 4:46:13
